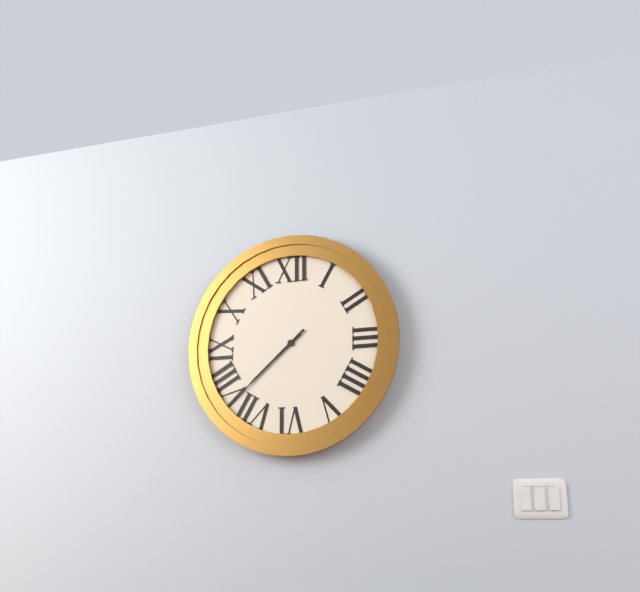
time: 7:38
